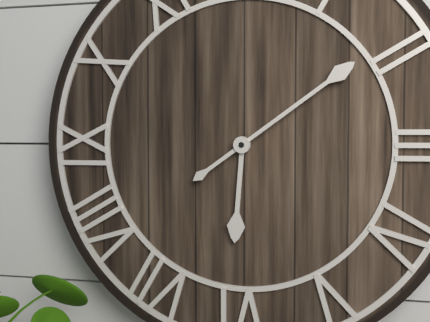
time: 6:09
